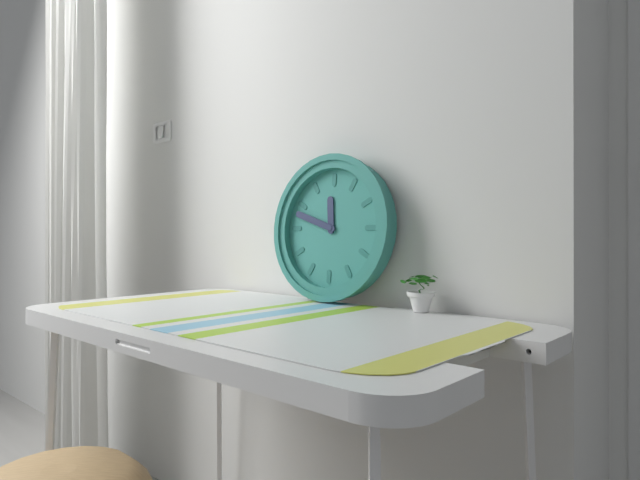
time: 11:48
